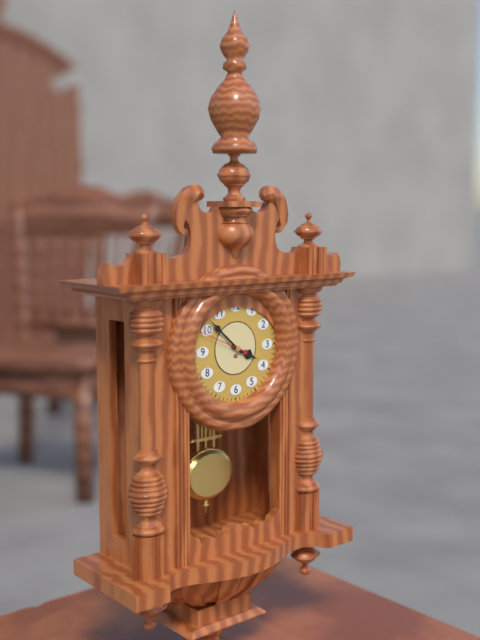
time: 3:52
